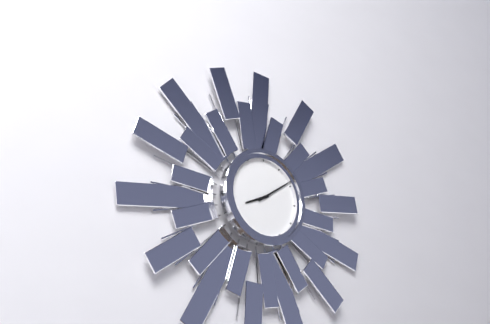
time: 8:09
